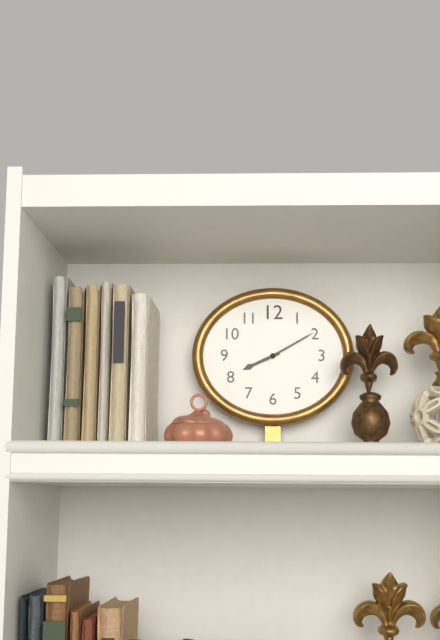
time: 8:10
